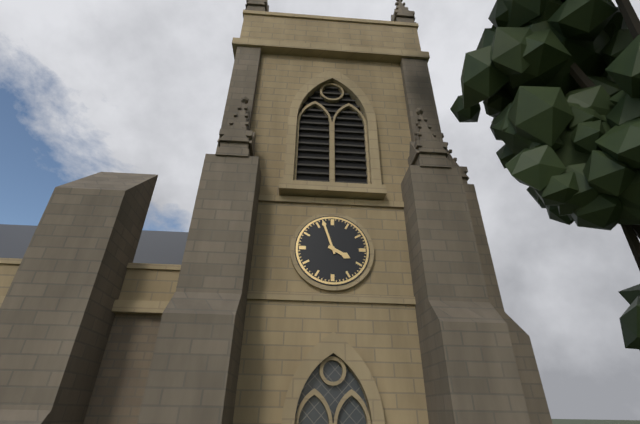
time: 3:57
